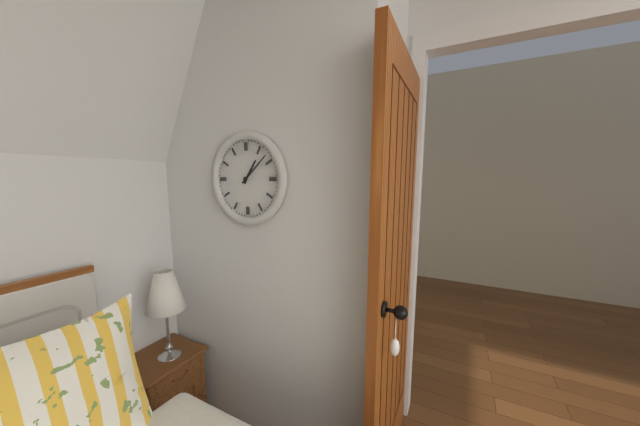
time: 1:08
